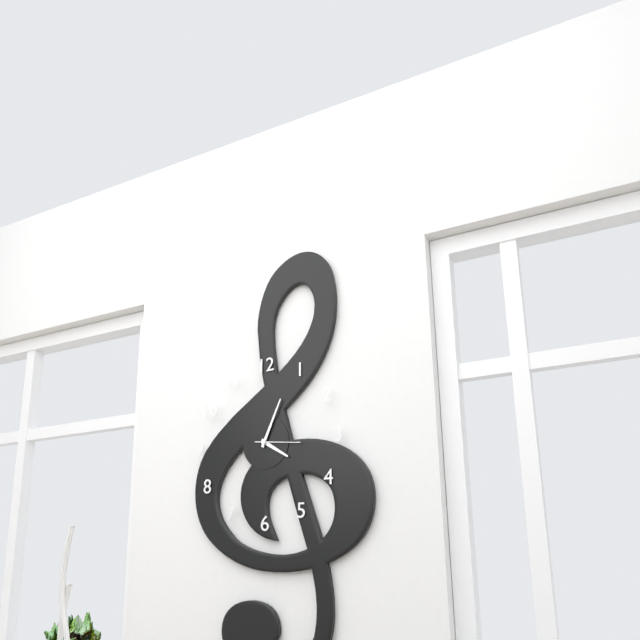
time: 4:04
